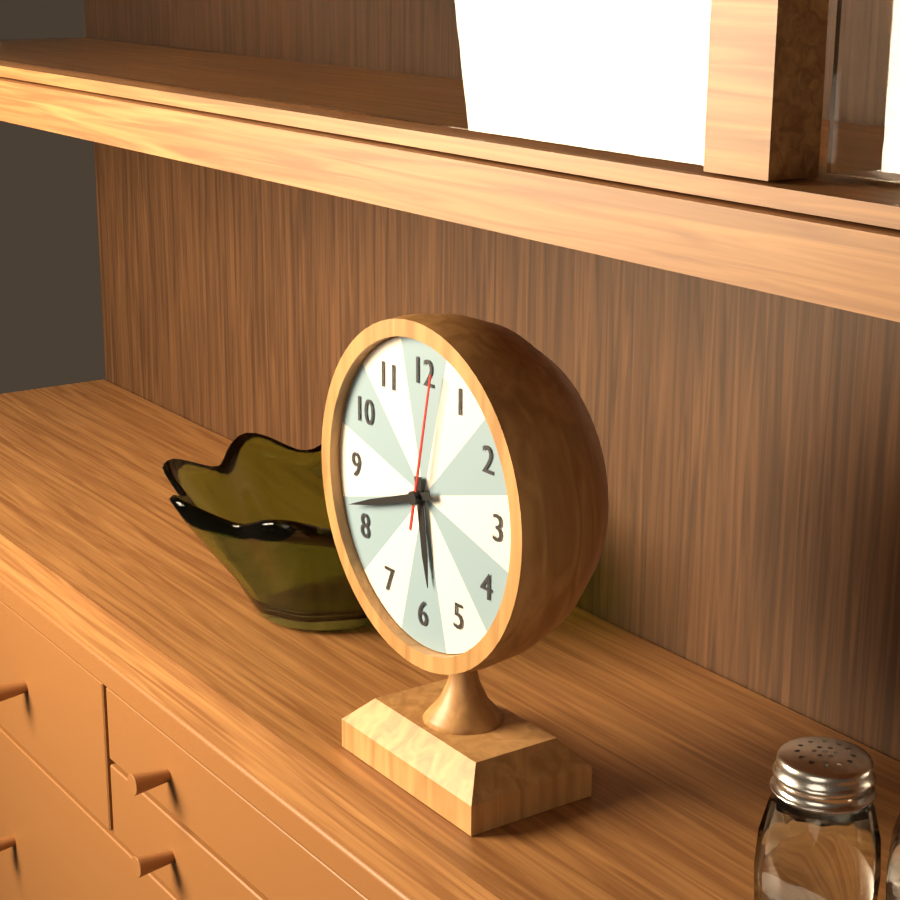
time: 5:42:02
